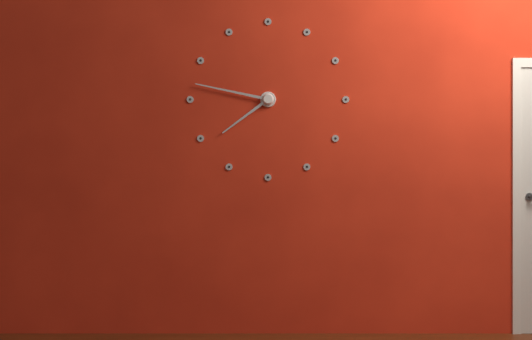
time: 7:47
